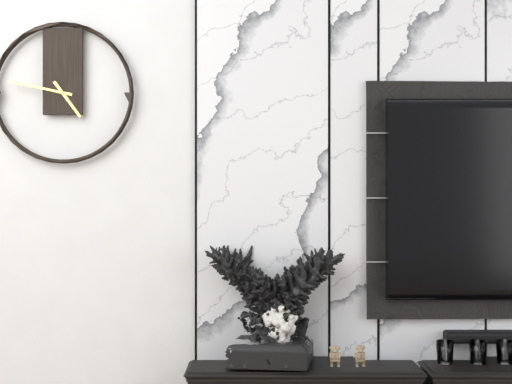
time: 4:47
